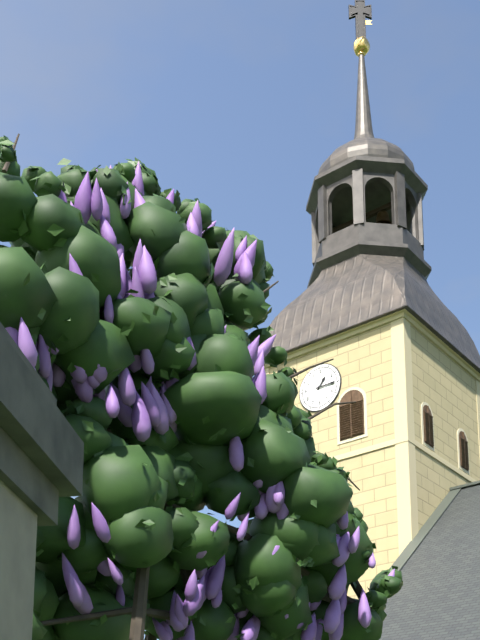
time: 1:15
